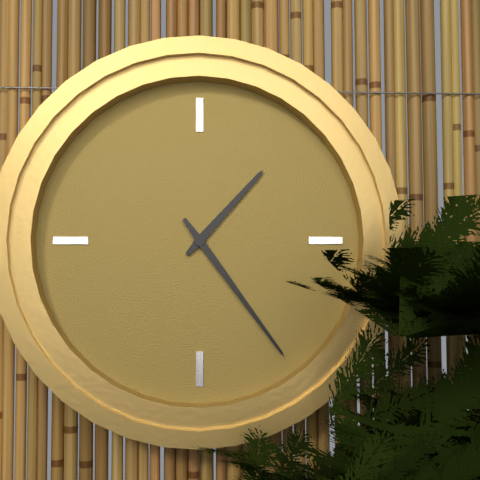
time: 1:24
